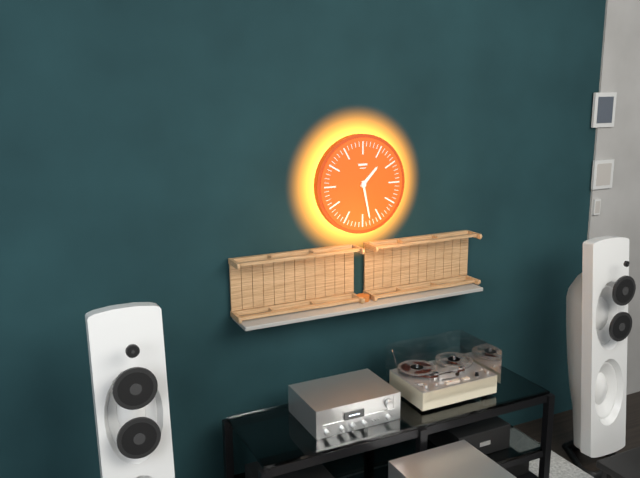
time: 1:28
